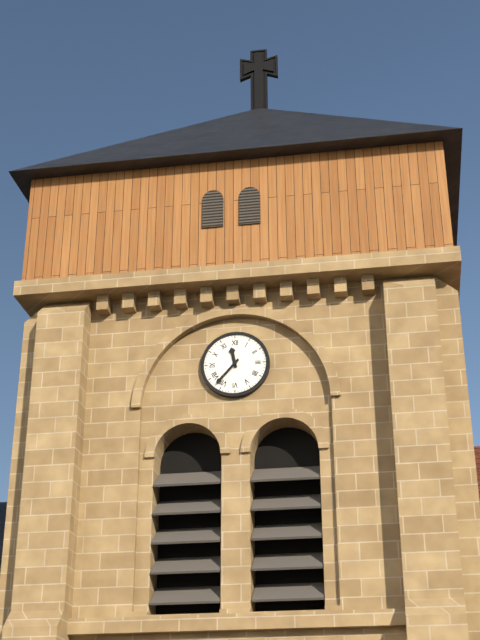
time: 11:37
